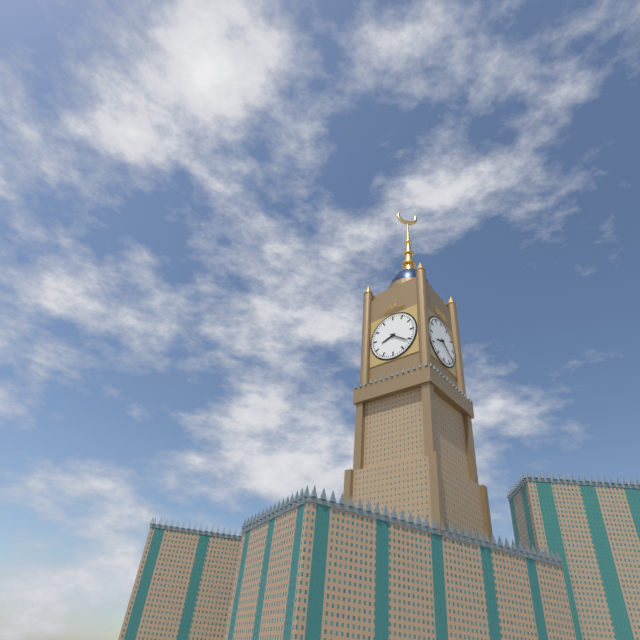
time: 8:21
